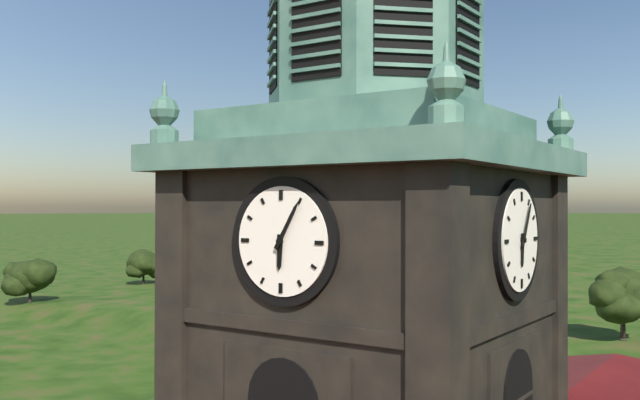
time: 6:05
